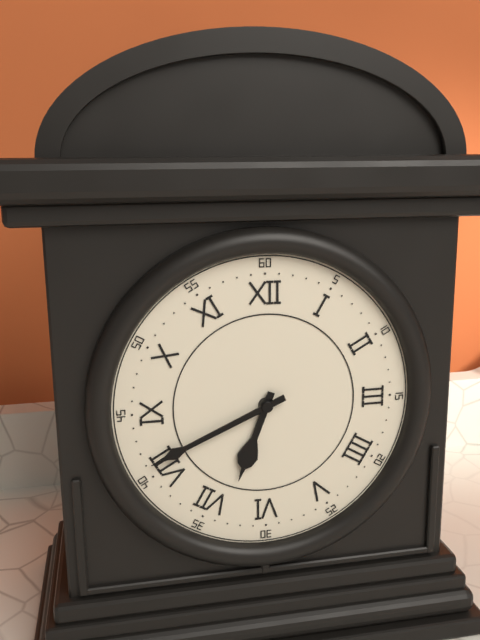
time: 6:41
